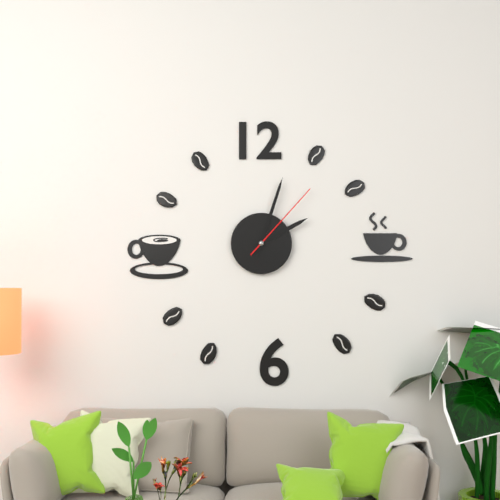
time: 2:03:07
